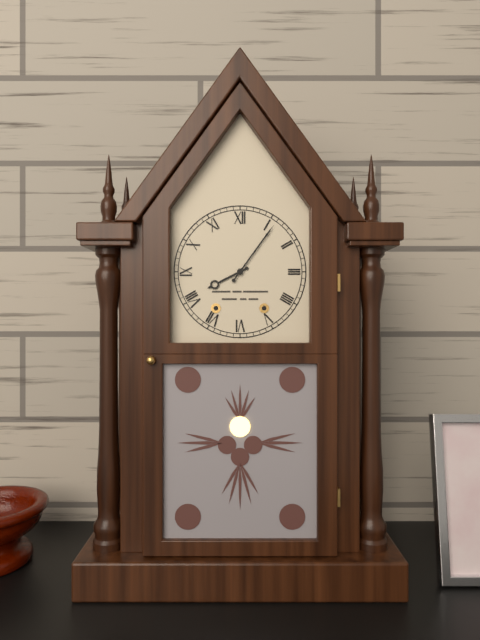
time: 8:06
